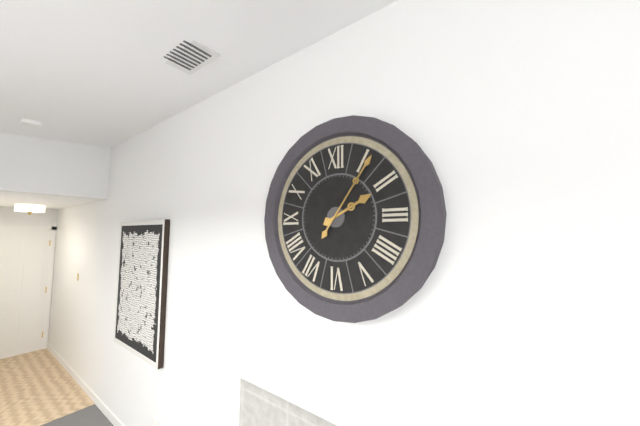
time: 2:06
